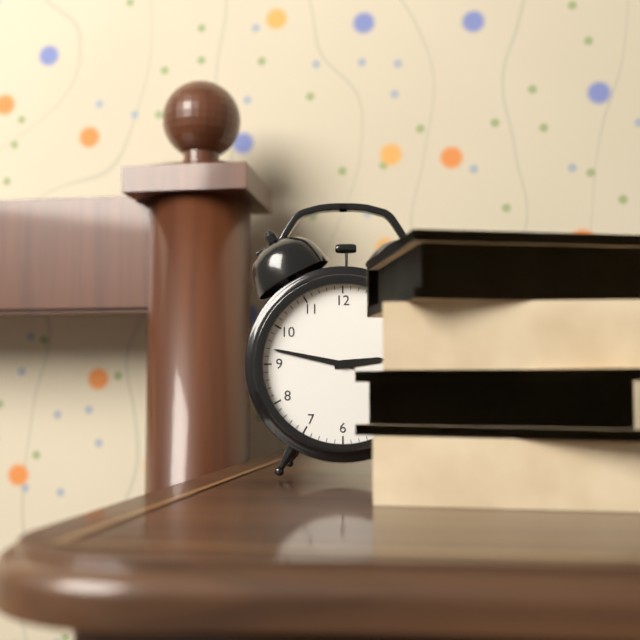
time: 2:47
